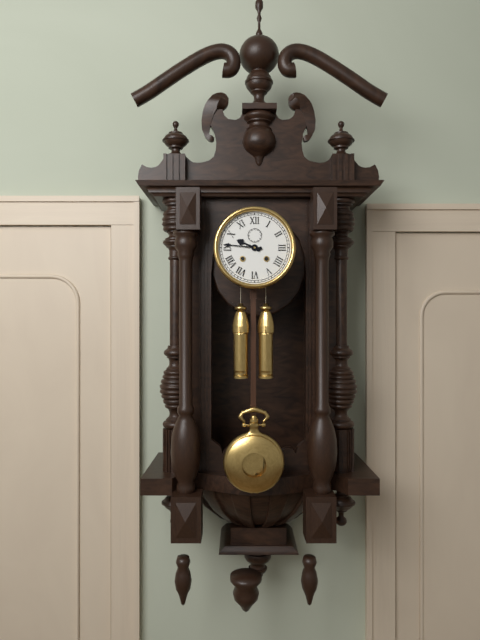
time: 9:46
